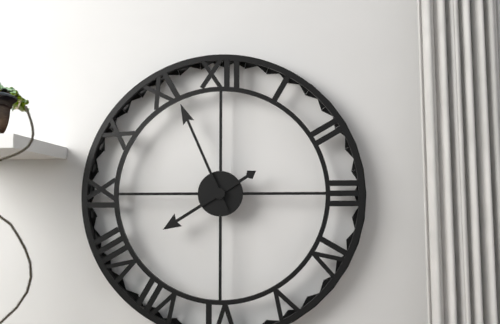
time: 7:56
